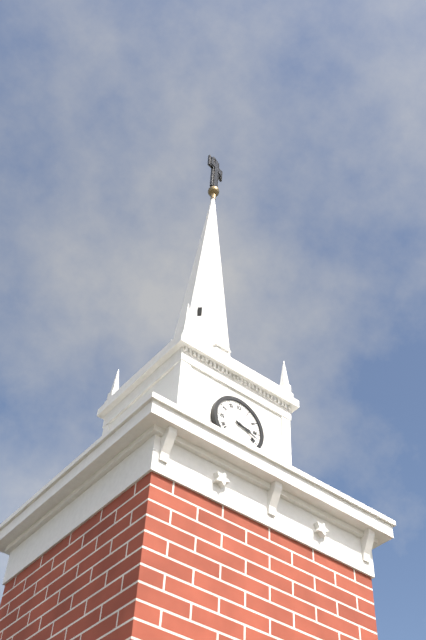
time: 3:18
